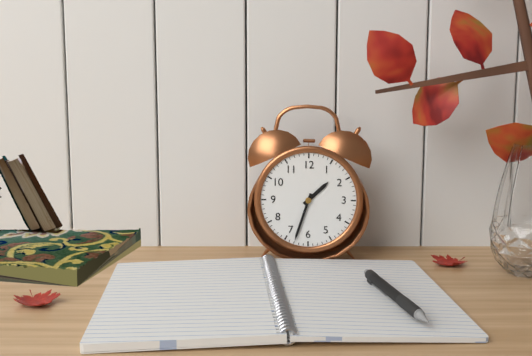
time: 1:33
